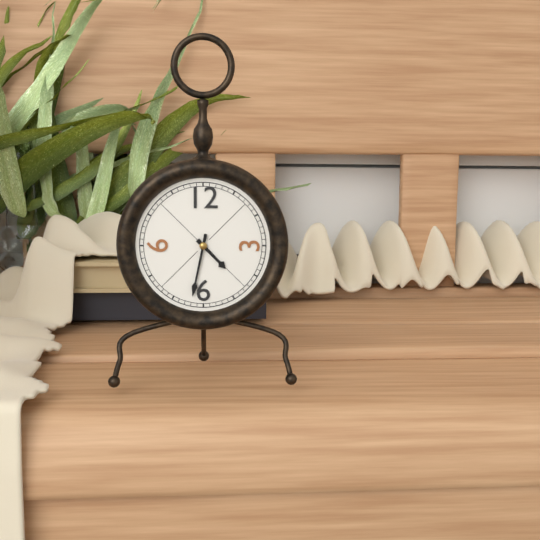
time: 4:32
